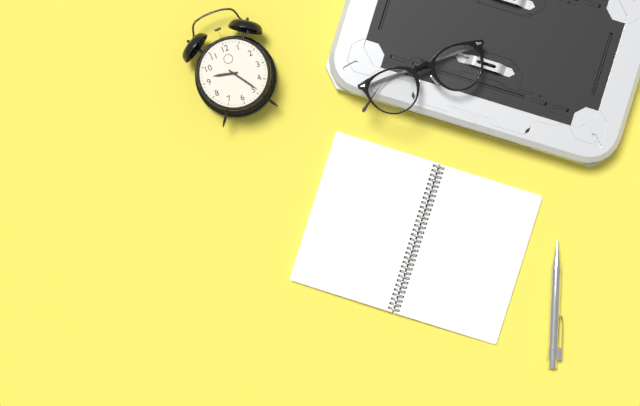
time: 9:24
